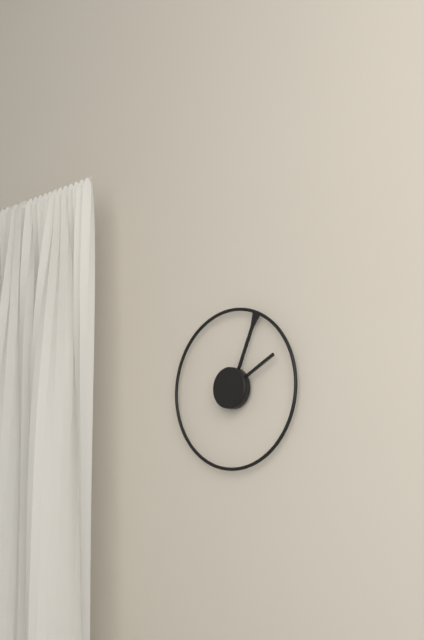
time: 2:04
